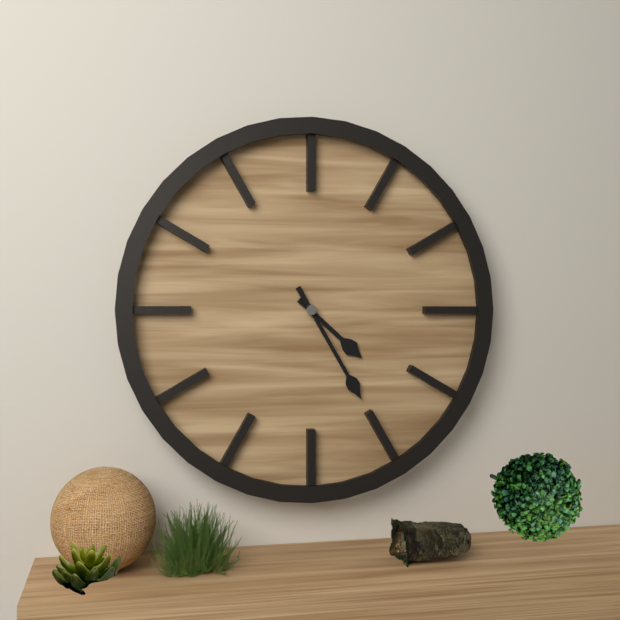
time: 4:25
